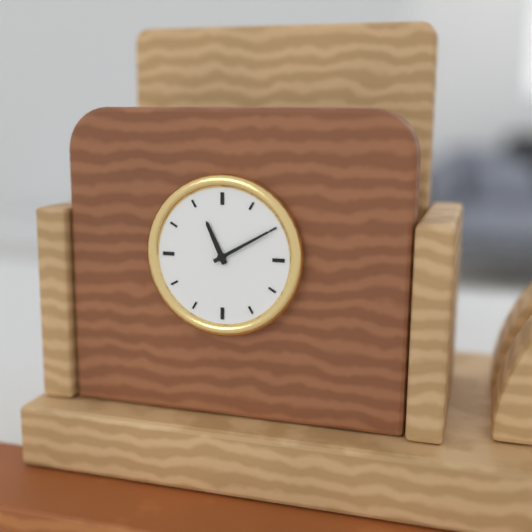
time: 11:10
